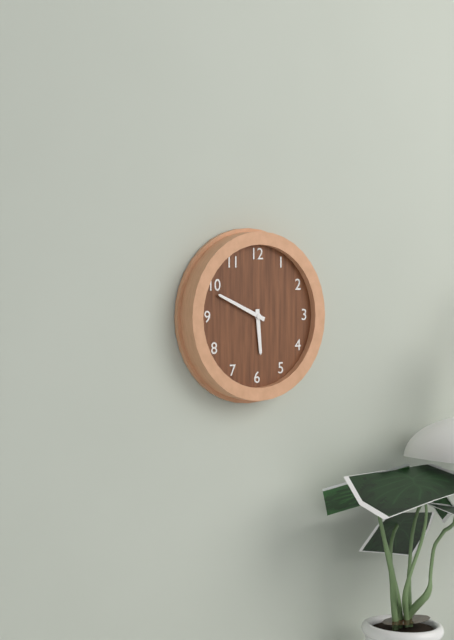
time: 5:49
